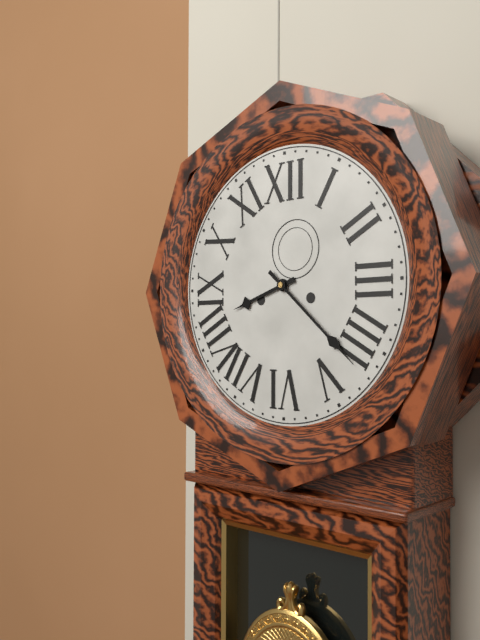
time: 8:22
